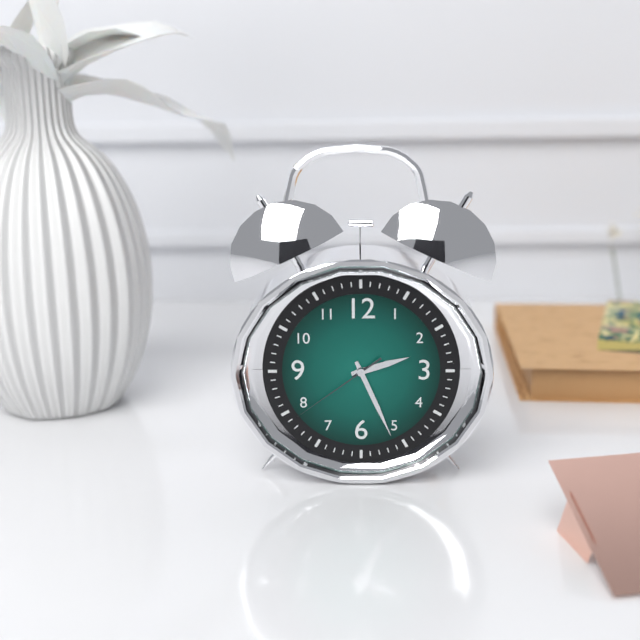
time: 2:26:39
